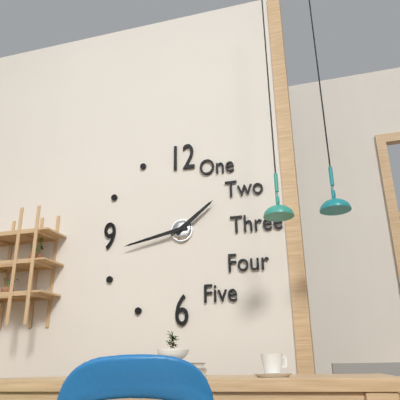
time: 1:43
